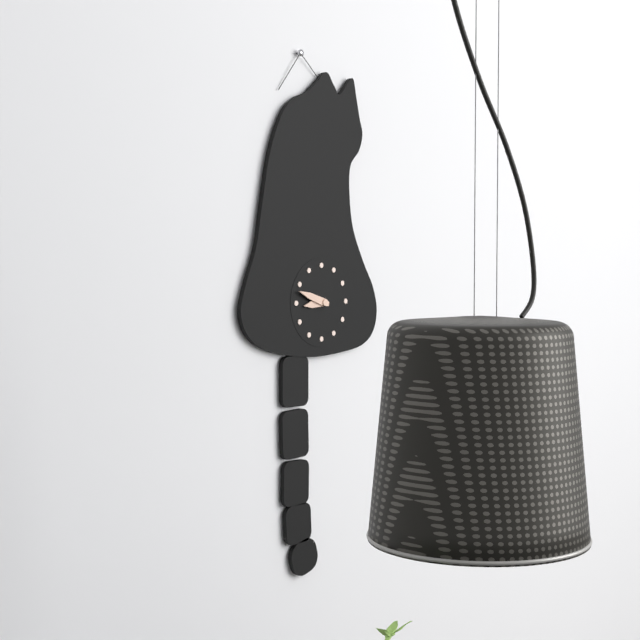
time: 8:48
